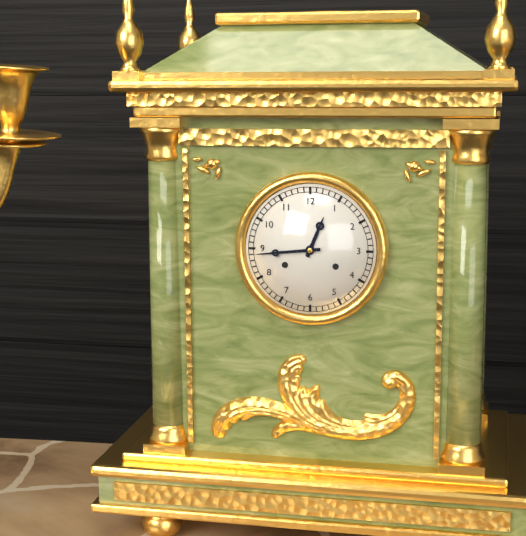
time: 12:44
